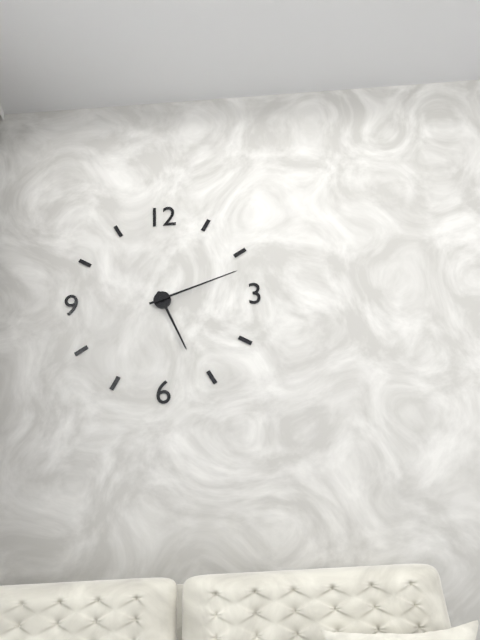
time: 5:12
